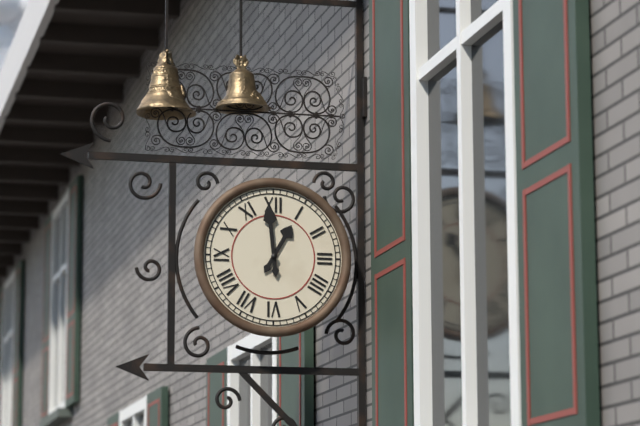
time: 12:59
